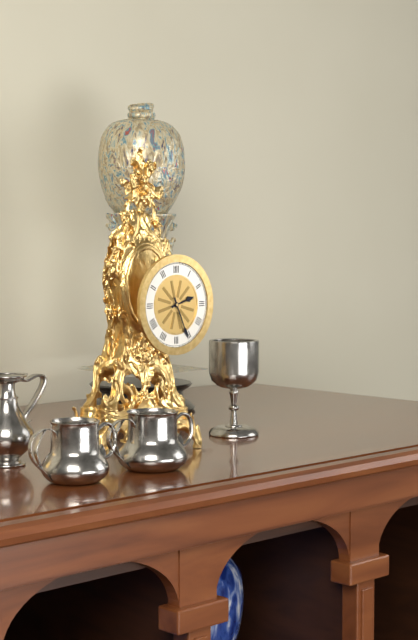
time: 2:26
